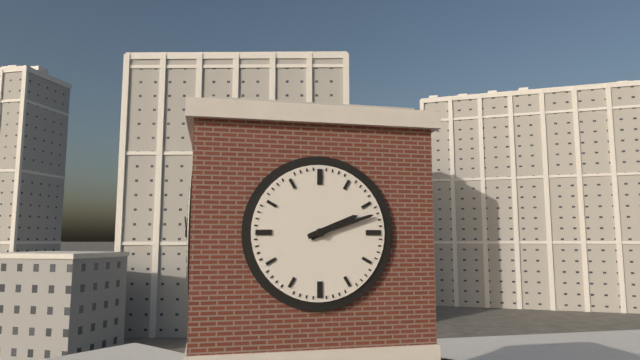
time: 2:12
